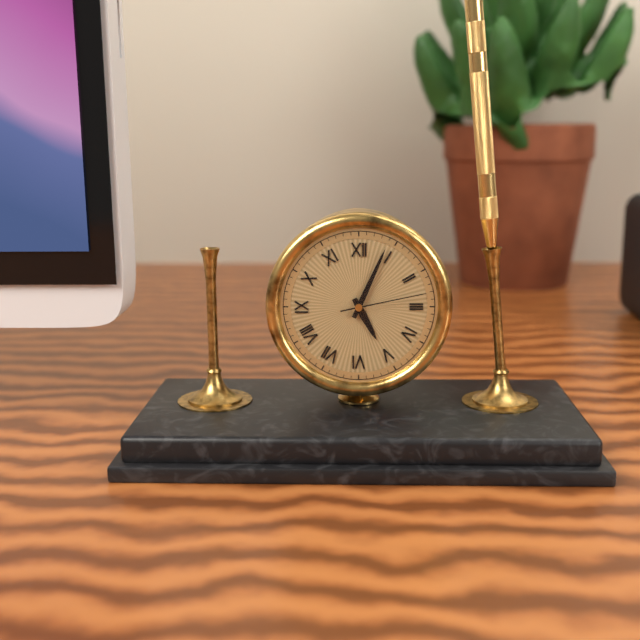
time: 5:04:13
